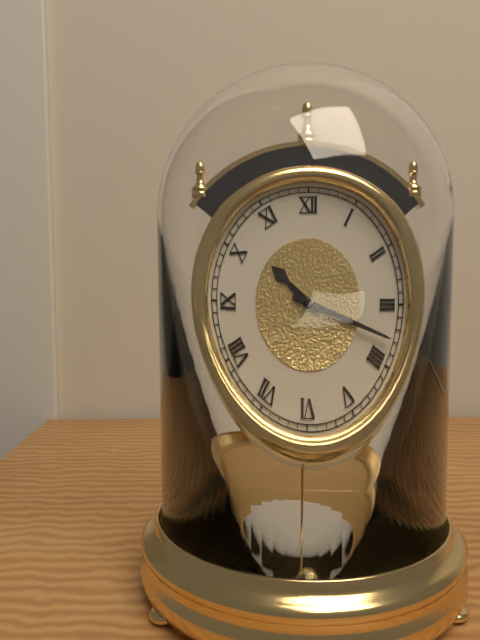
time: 10:18
